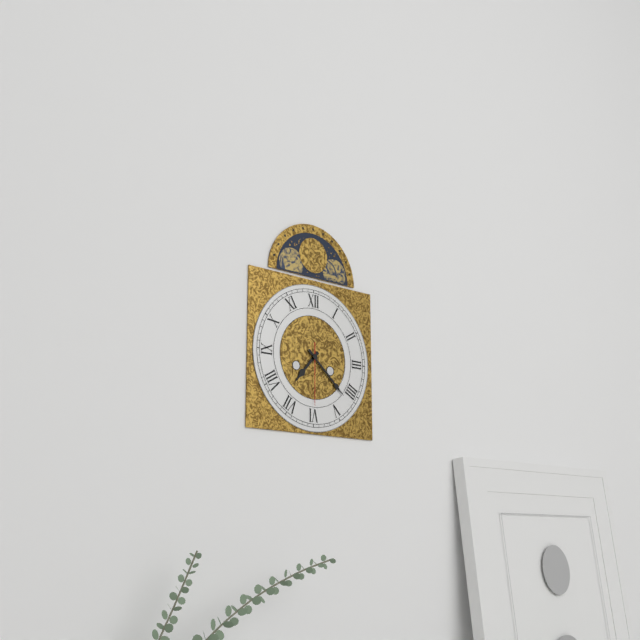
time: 7:22:30
